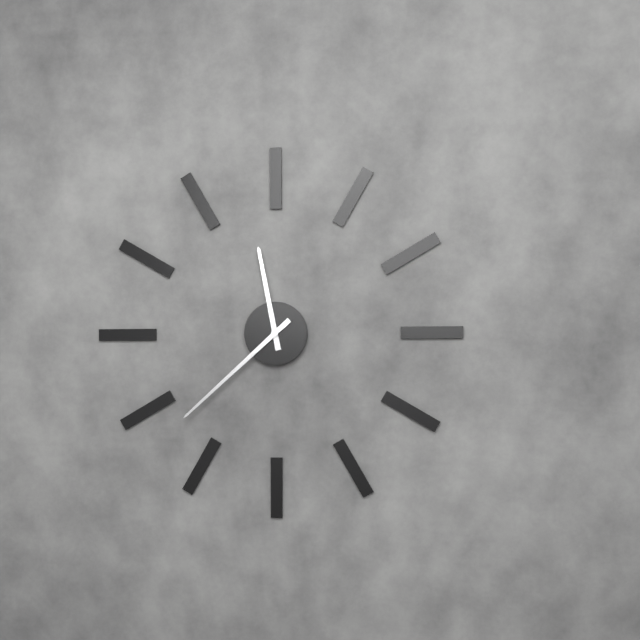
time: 11:38
